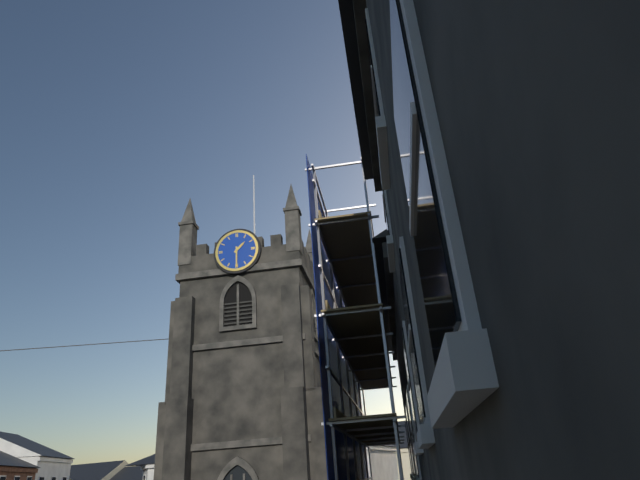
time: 1:30
